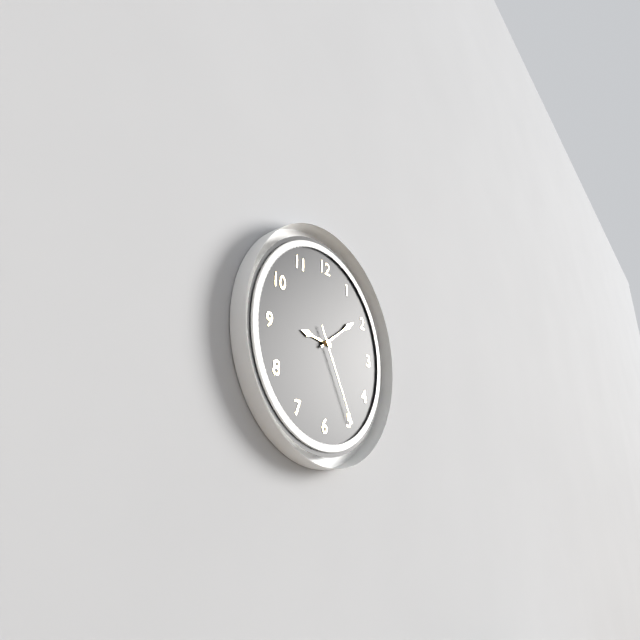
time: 9:09:25
